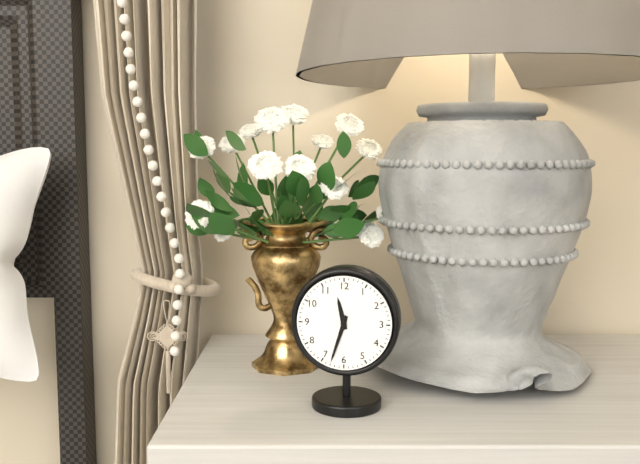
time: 11:33
